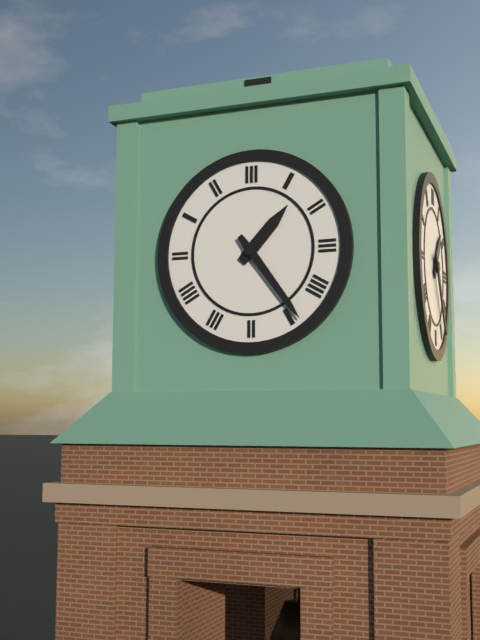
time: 1:24
